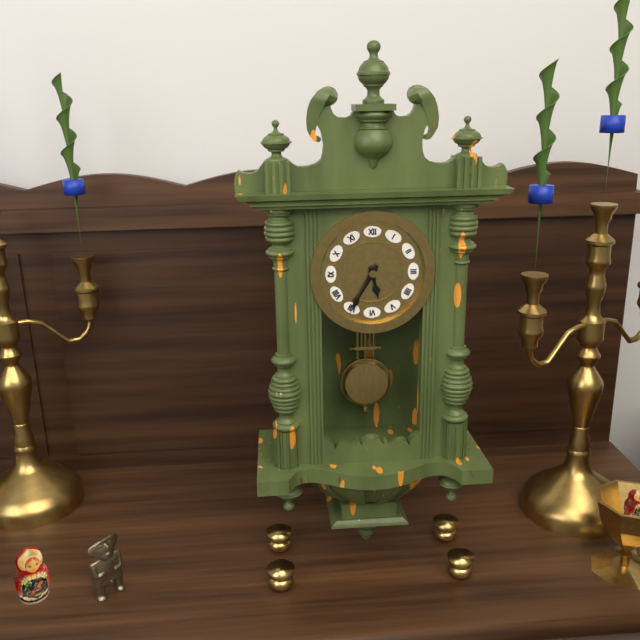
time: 5:35
